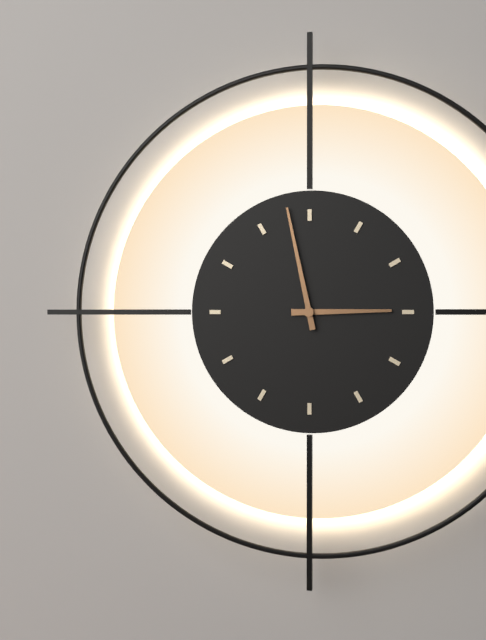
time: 2:58
